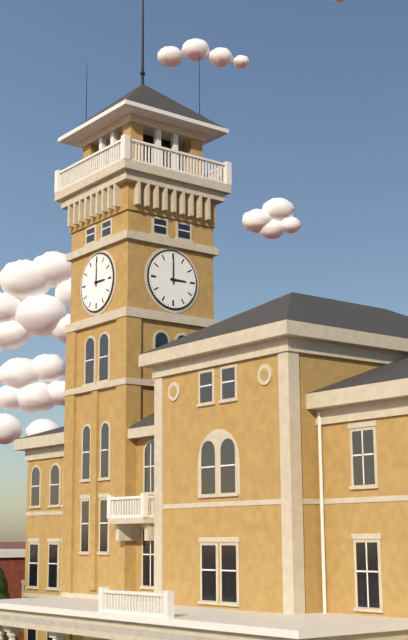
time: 3:00
